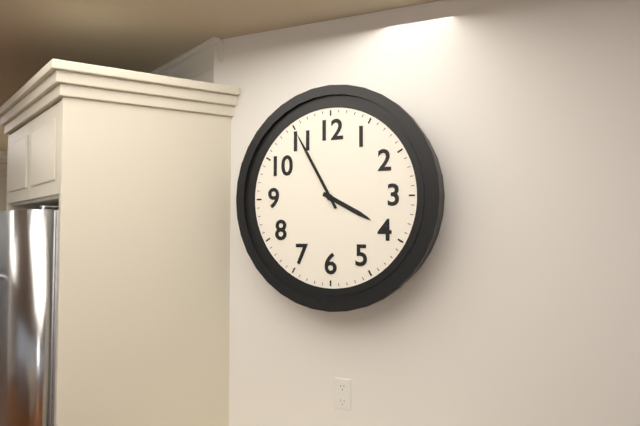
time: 3:55
